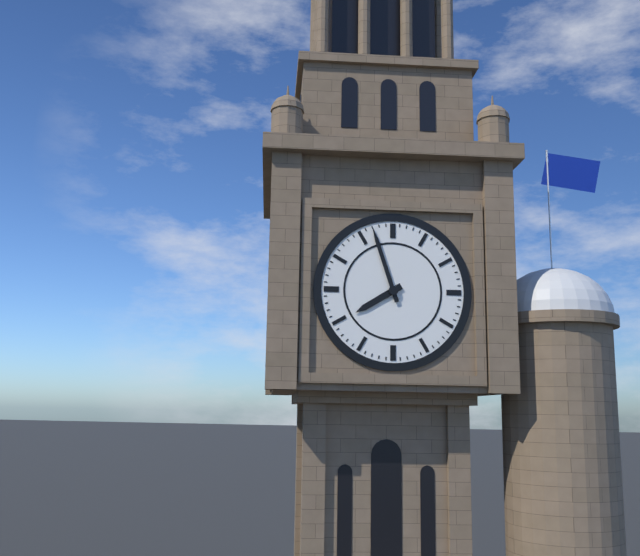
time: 7:57
